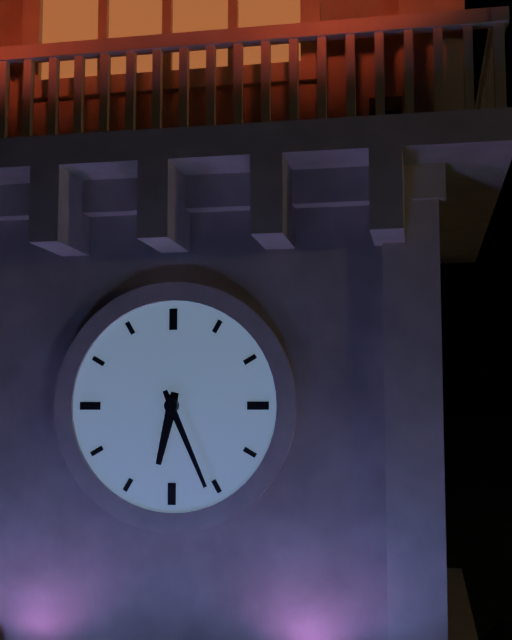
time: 6:26
